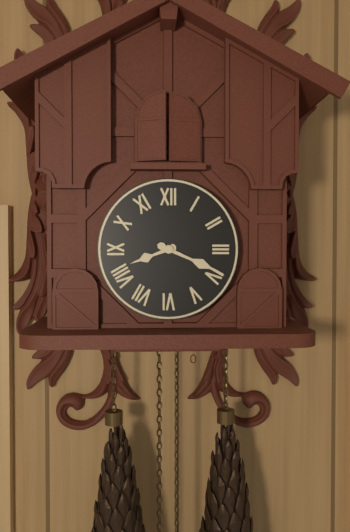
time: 8:19
